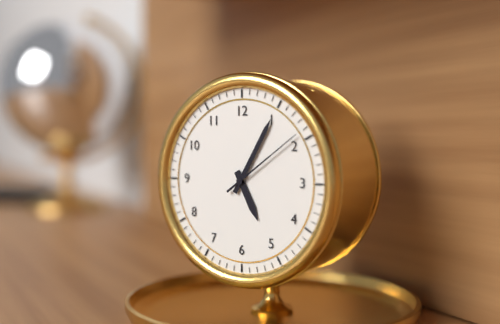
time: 5:05:09
